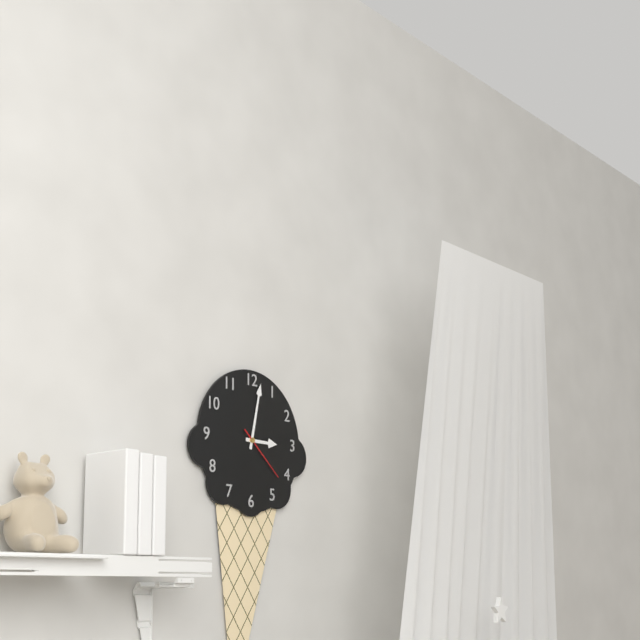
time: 3:02:22
